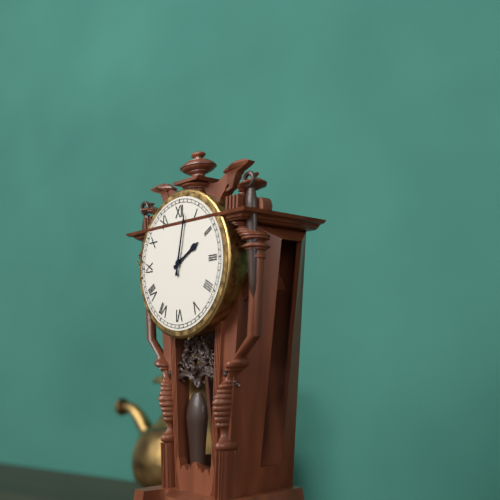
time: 2:02
